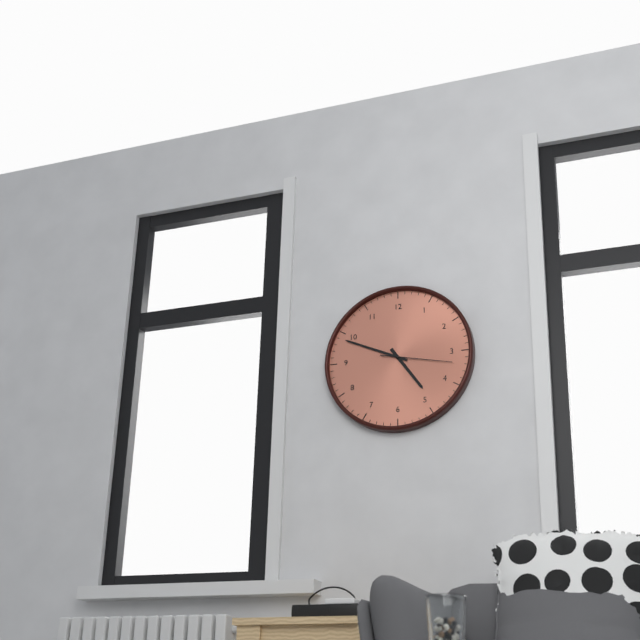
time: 4:49:17
